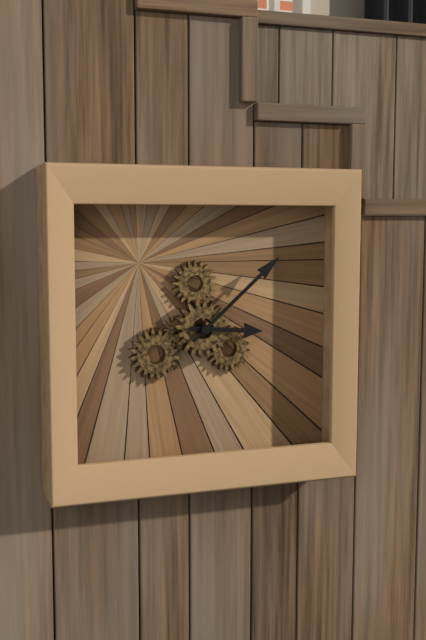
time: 3:08
